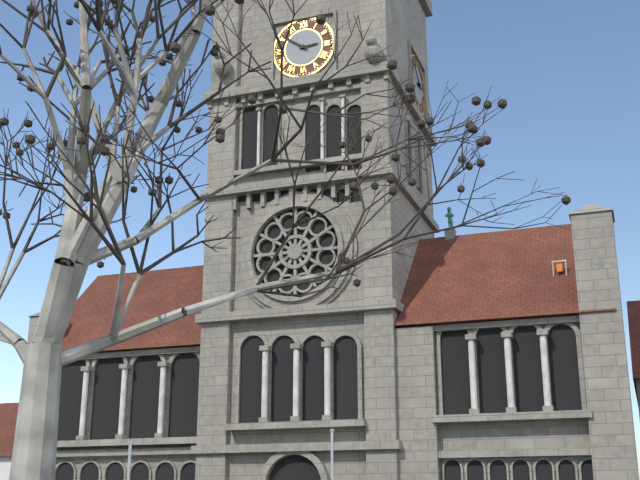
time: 2:51
